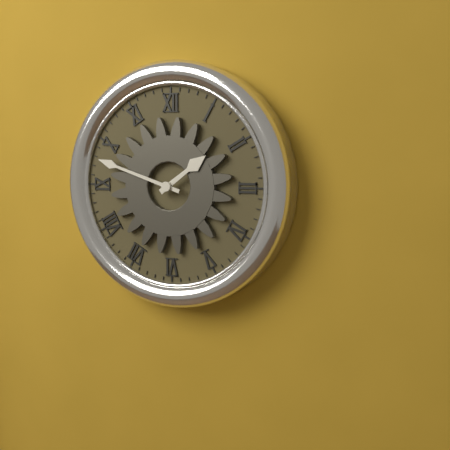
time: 1:48
